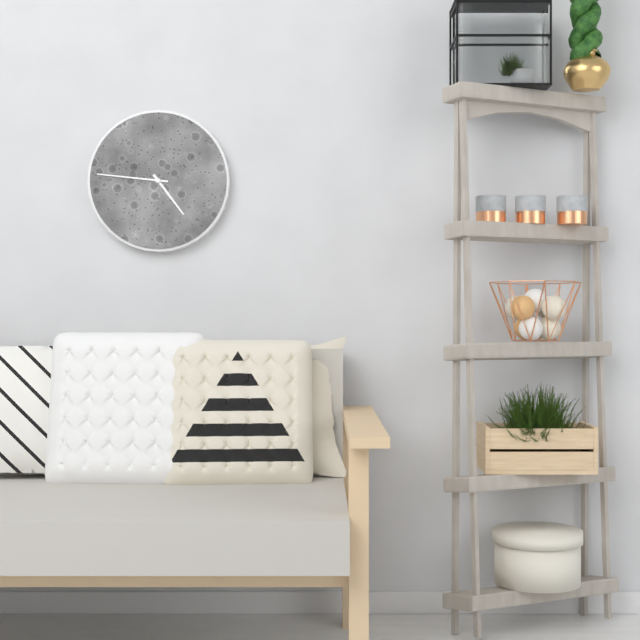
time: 4:46
